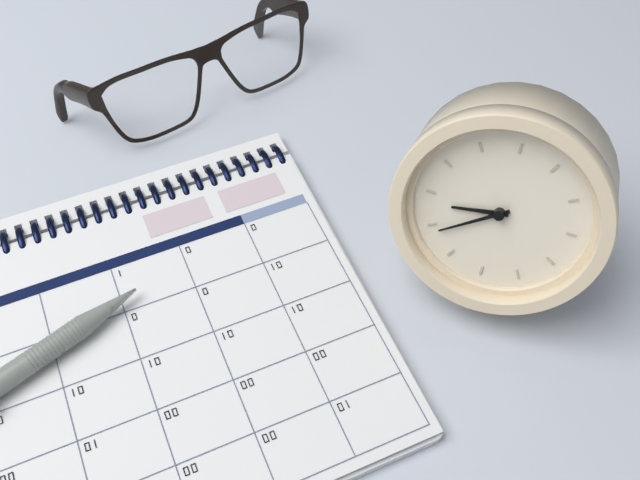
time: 8:39
